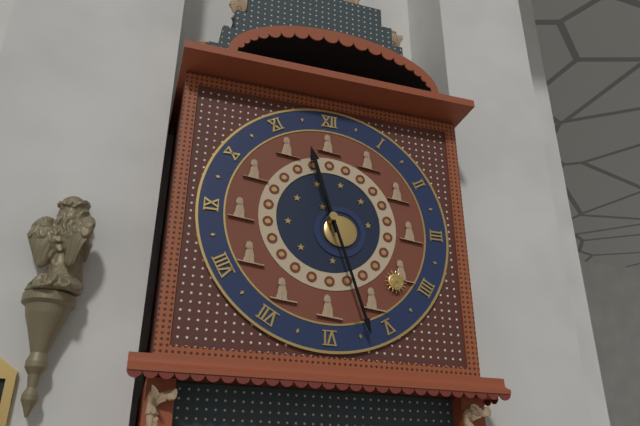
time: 11:27
